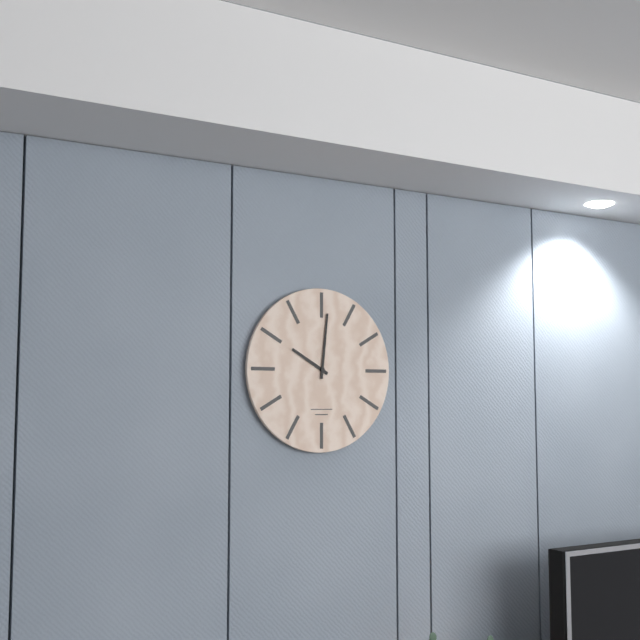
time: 10:01
